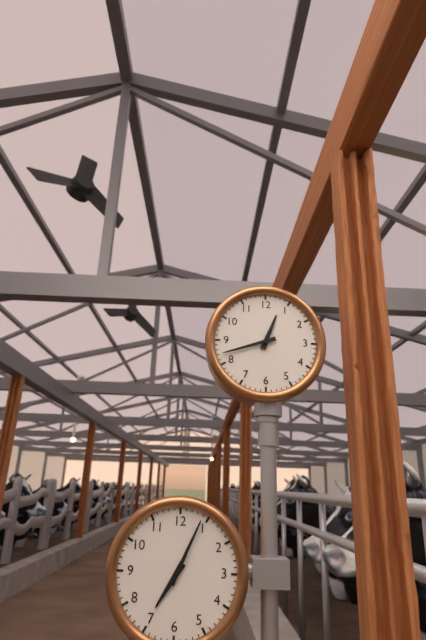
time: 12:42
